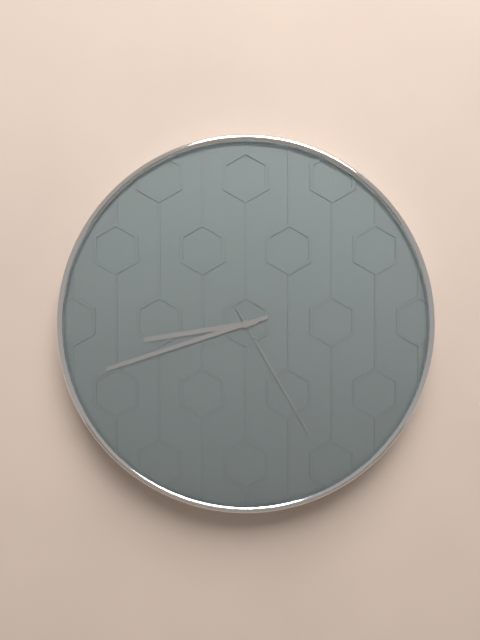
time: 8:42:25
